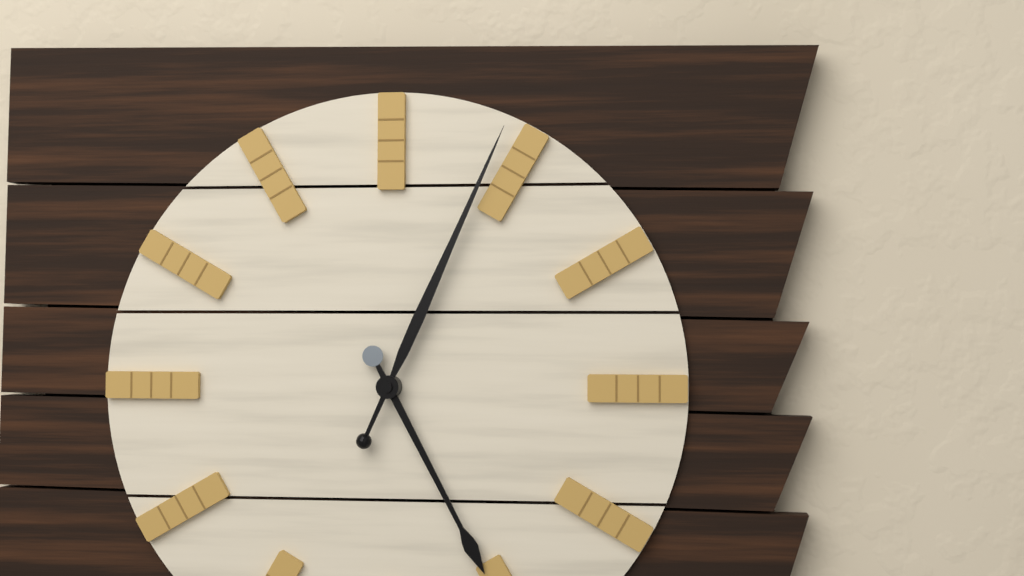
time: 5:04
